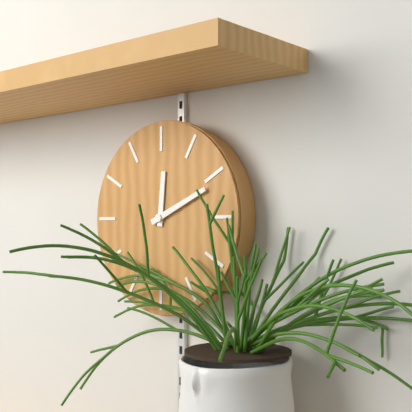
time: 12:11
